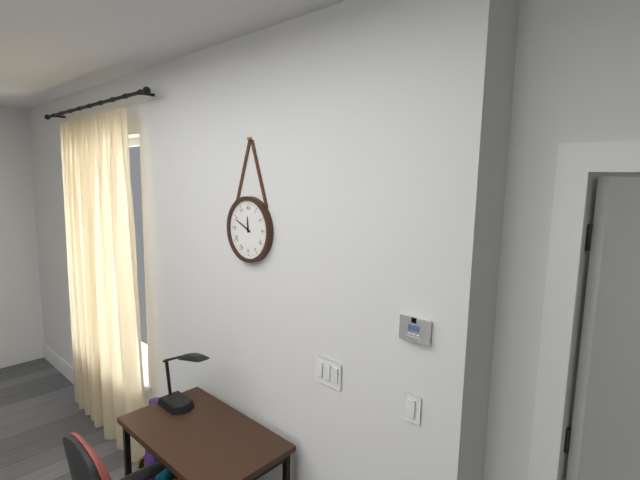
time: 11:49
